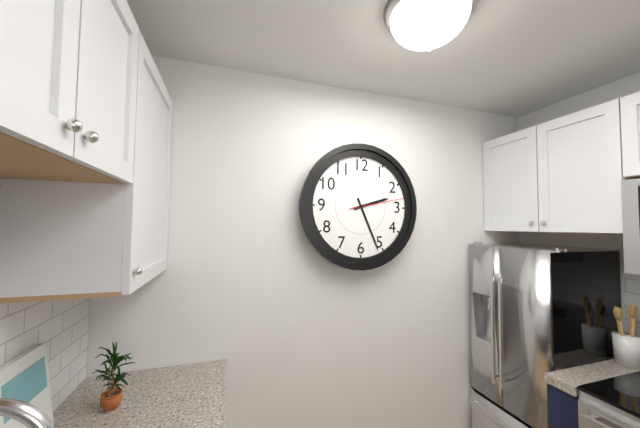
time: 2:26:13
